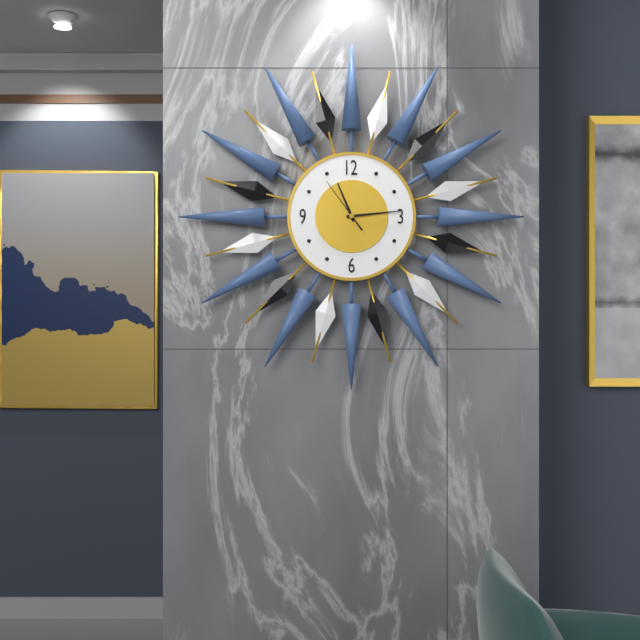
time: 11:14:54
